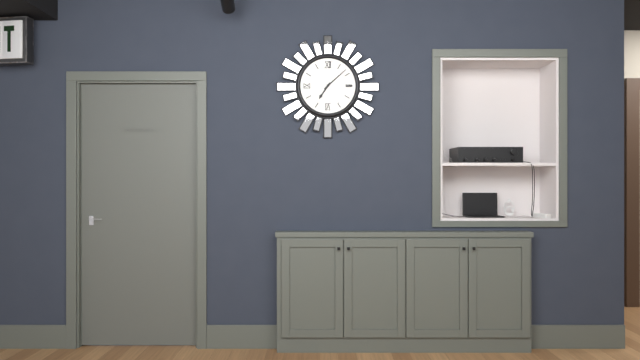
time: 7:08
